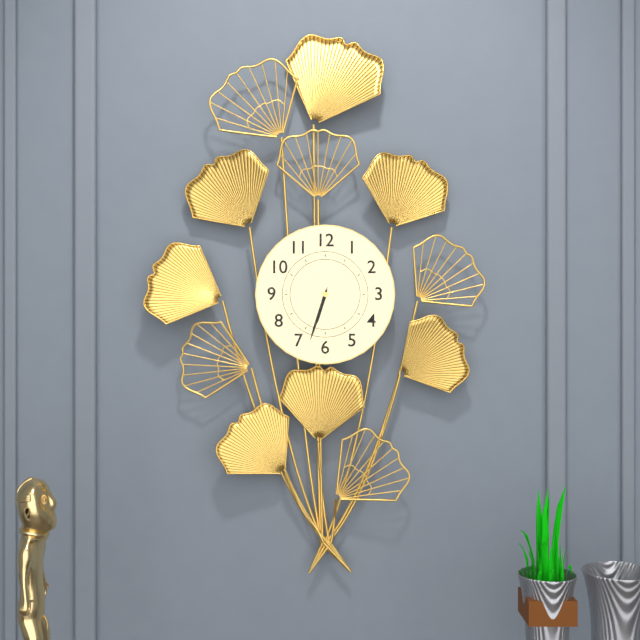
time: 6:33
